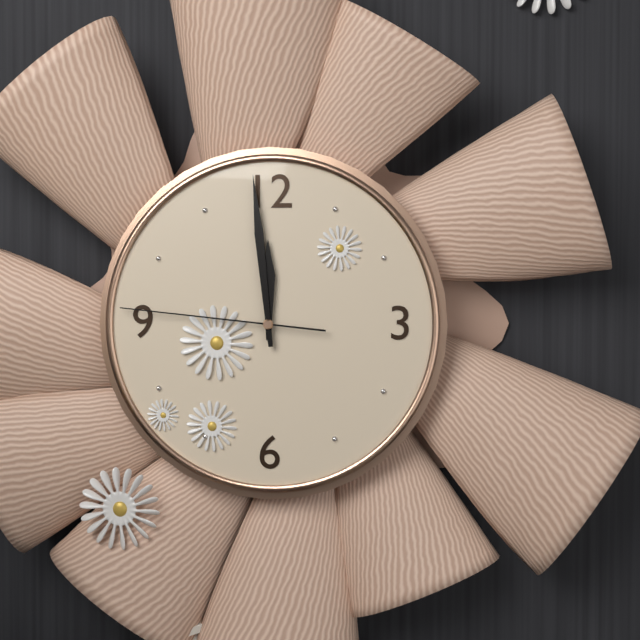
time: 11:59:46
